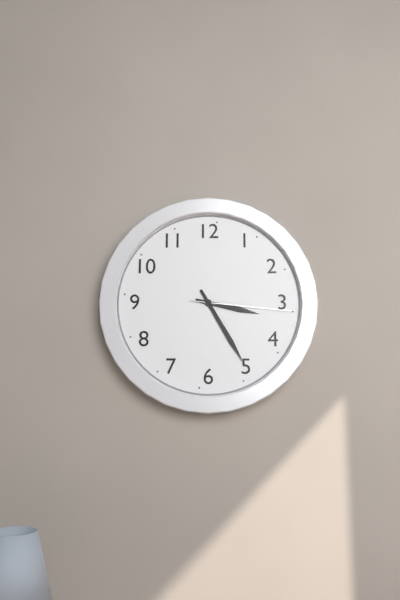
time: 3:25:16
